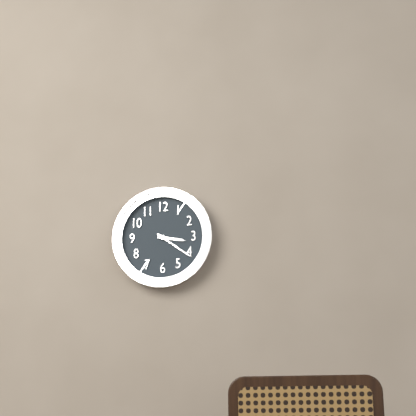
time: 3:21
